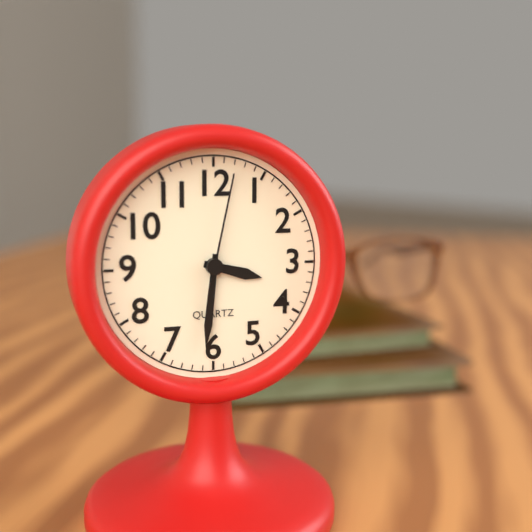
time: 3:31:02
